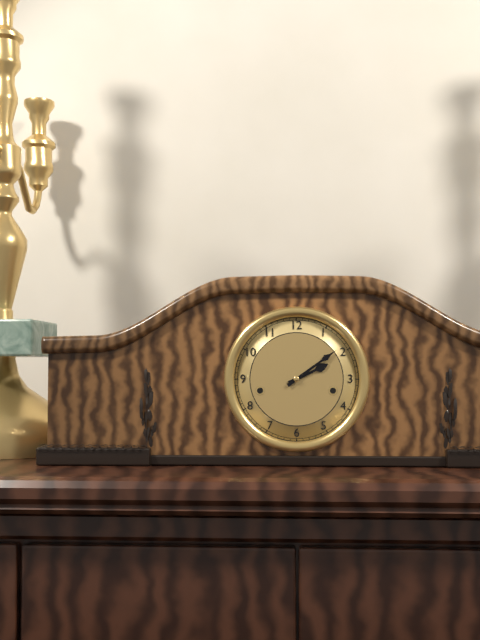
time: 2:09
